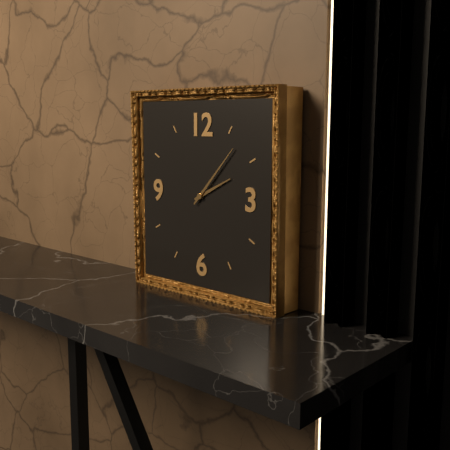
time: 2:07
